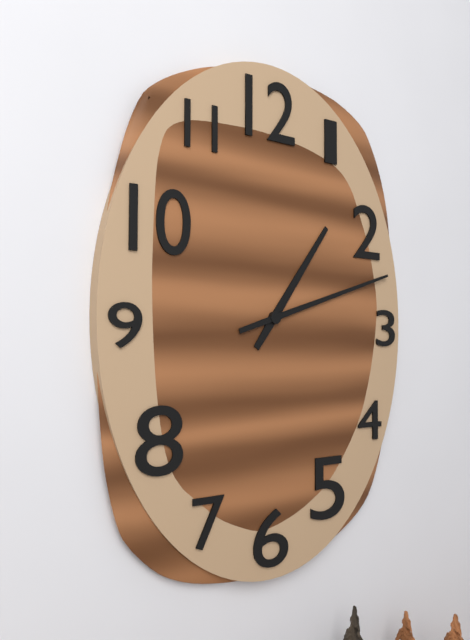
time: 1:12
